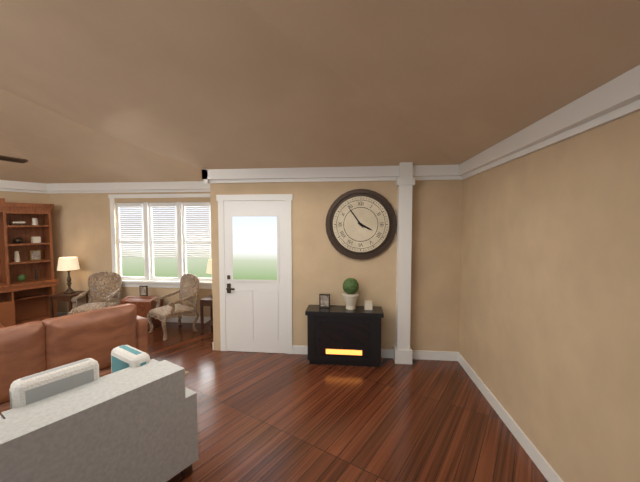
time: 3:54
